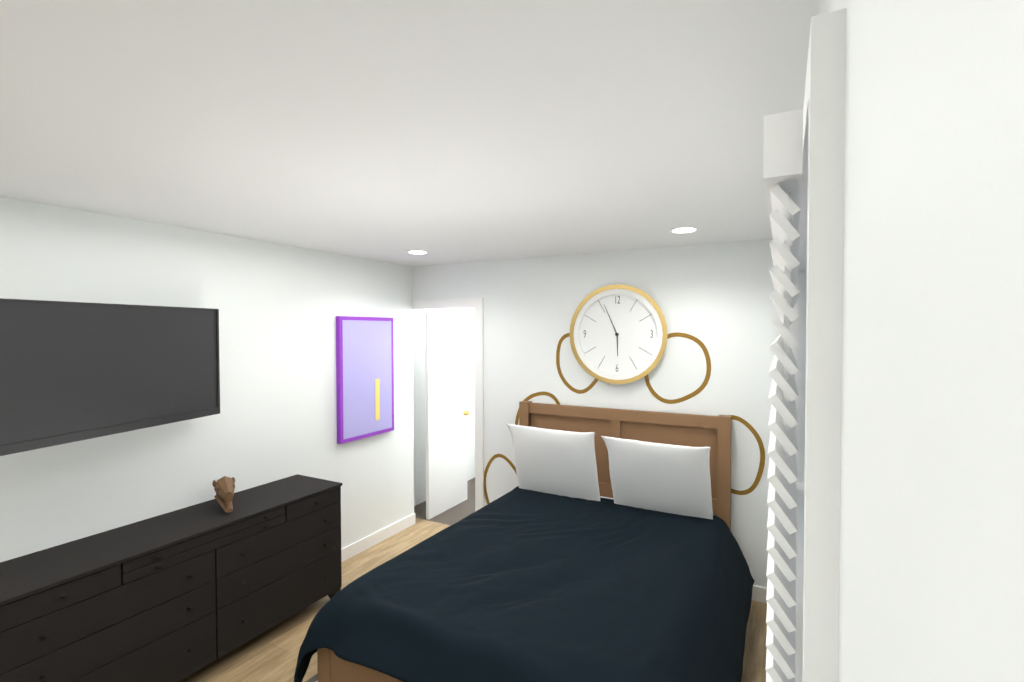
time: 5:56
